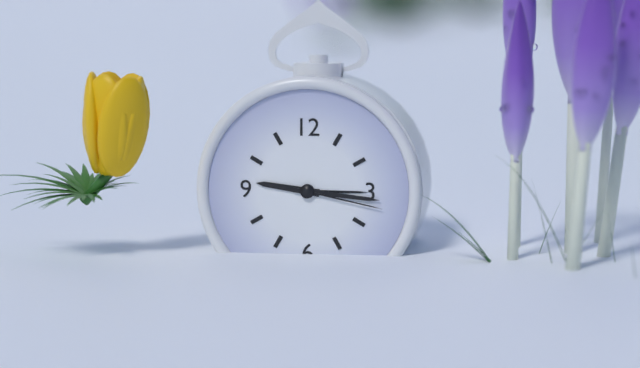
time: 9:16:17
